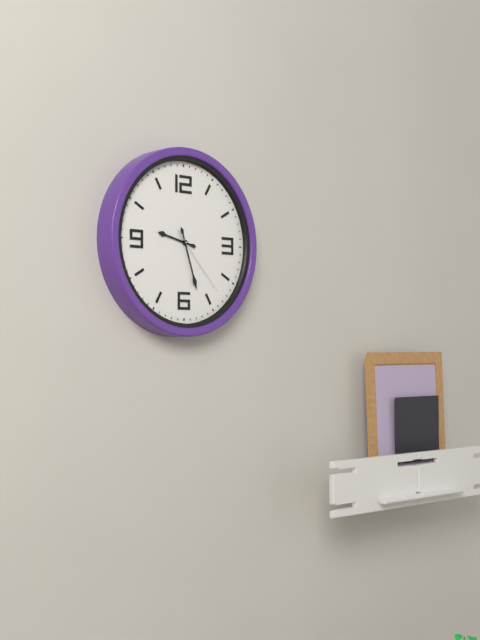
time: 9:27:23
